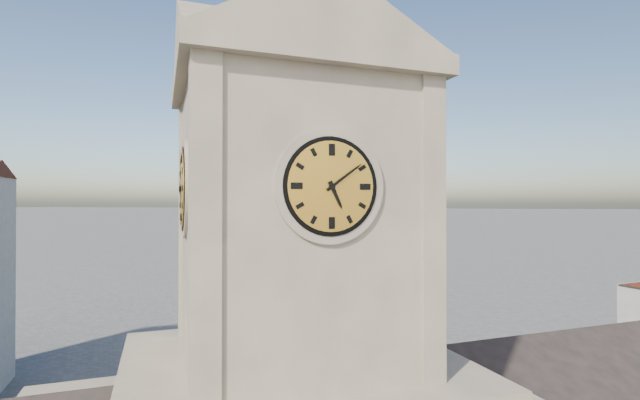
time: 5:09
